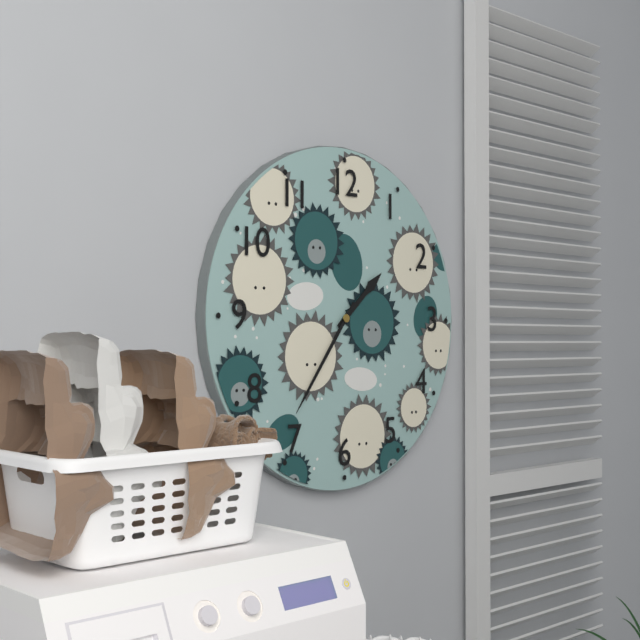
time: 1:36
